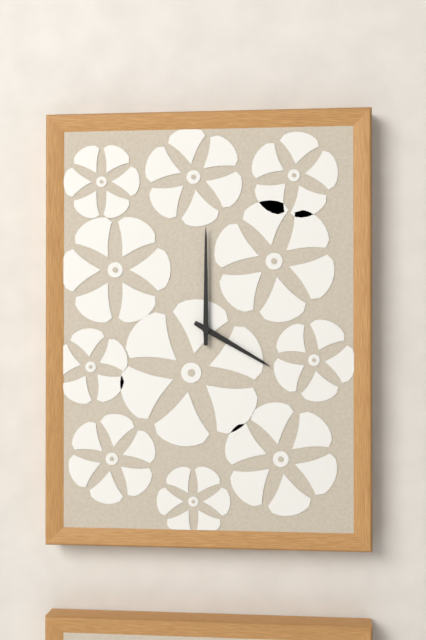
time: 4:00
